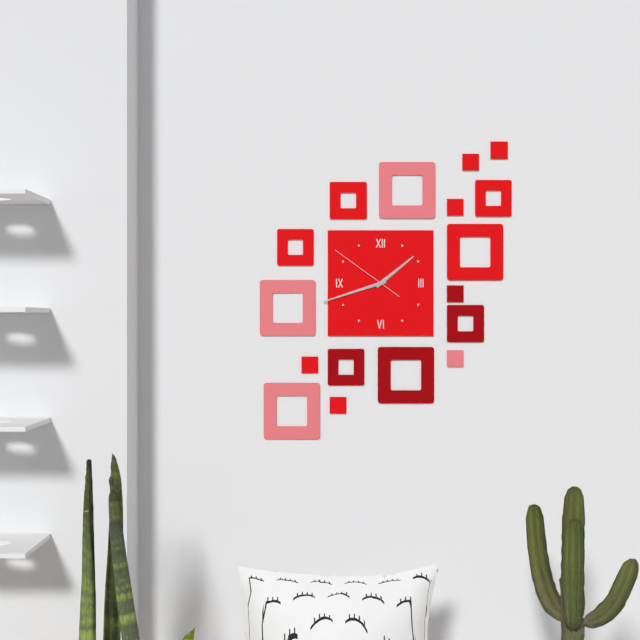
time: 1:42:51
